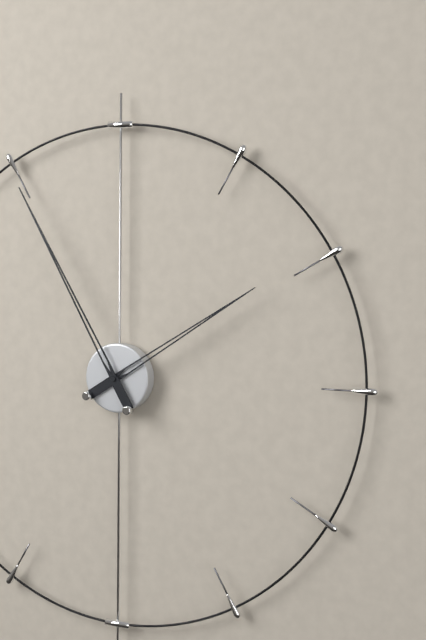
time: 1:55
